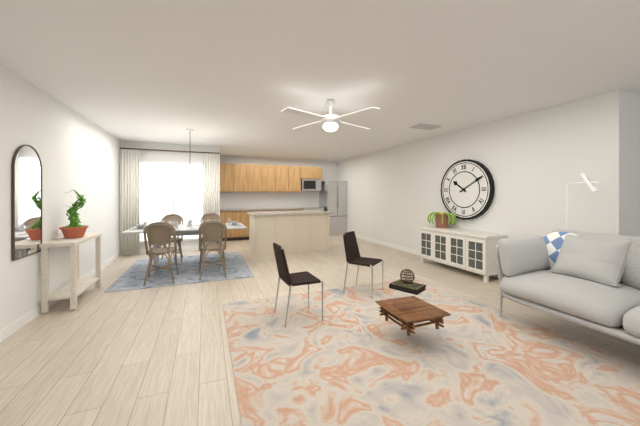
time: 10:10
